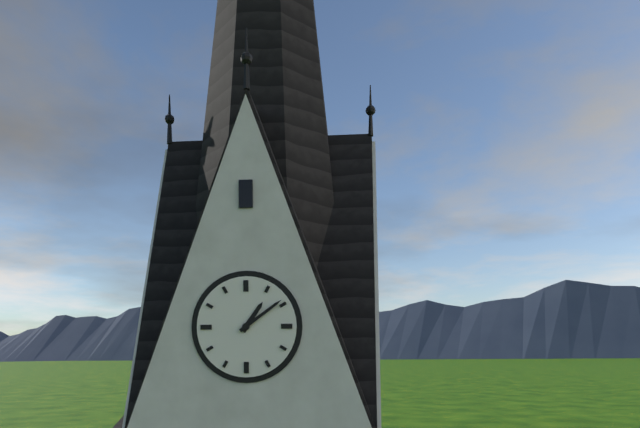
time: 1:09
